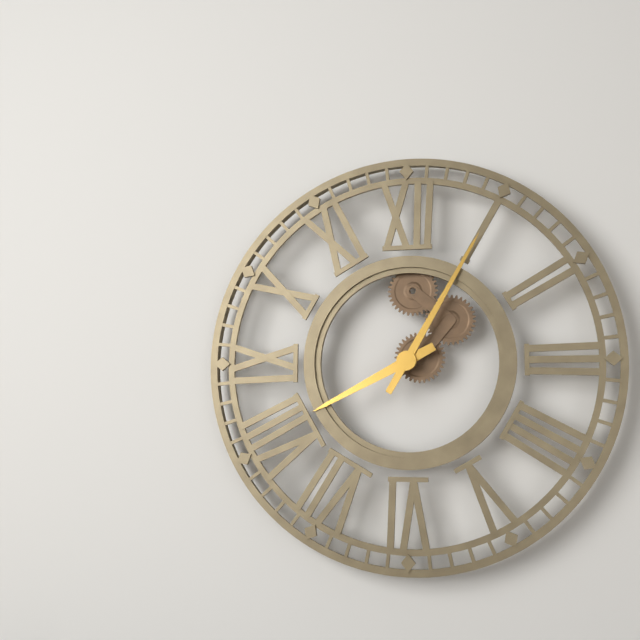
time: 8:05
